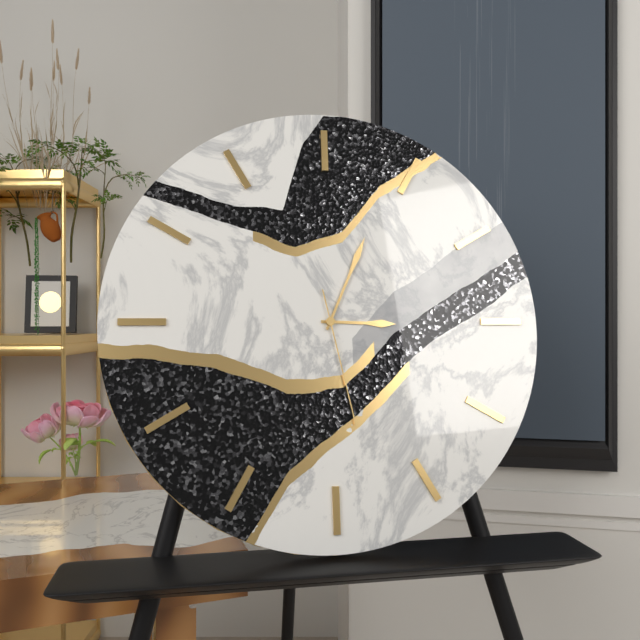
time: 3:04:28
